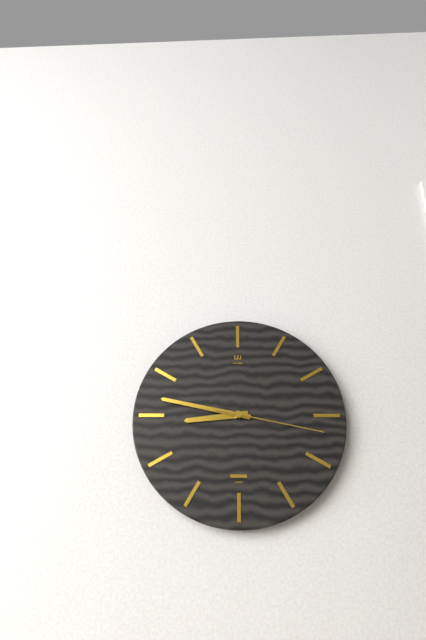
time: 8:47:17
